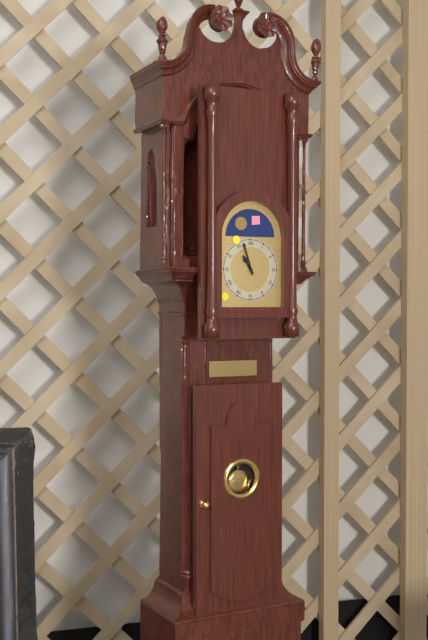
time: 10:57
